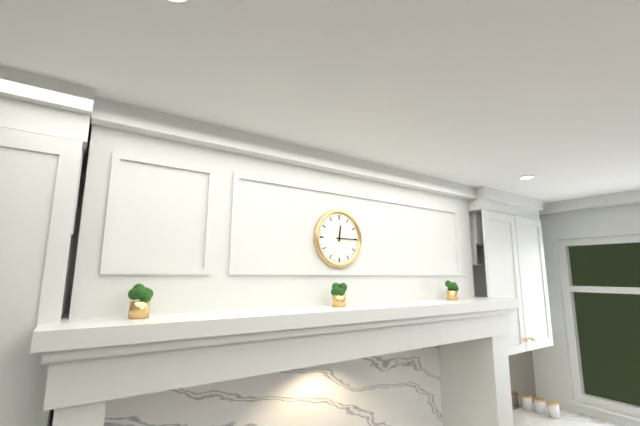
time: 12:15
